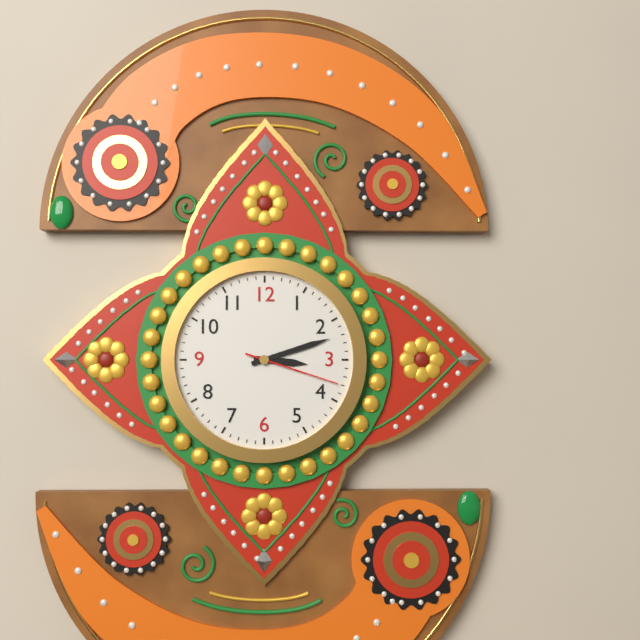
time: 3:12:18
